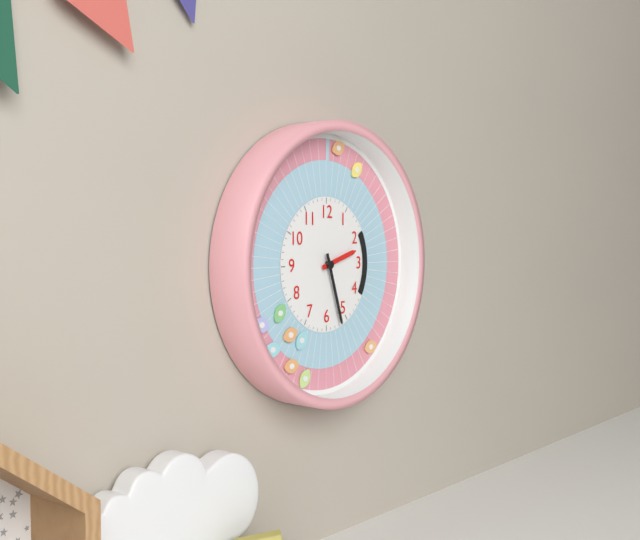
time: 2:27
